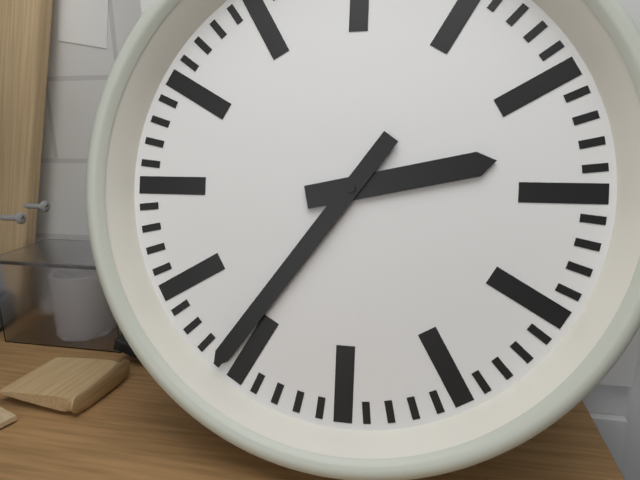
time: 2:36
